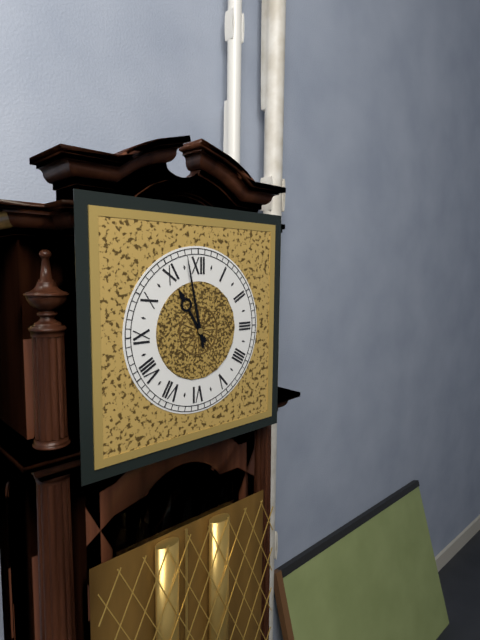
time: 10:58
